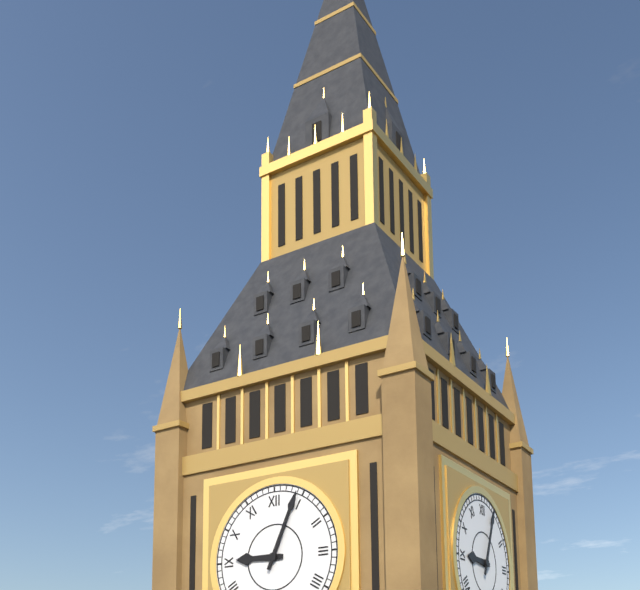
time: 9:04
